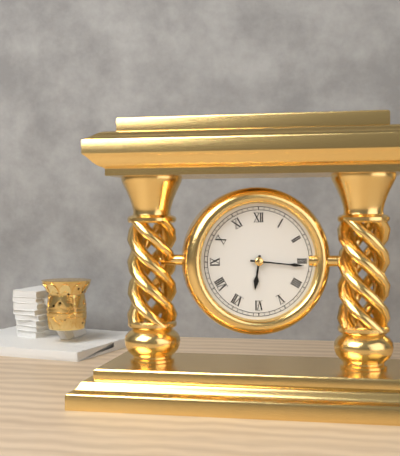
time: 6:16
